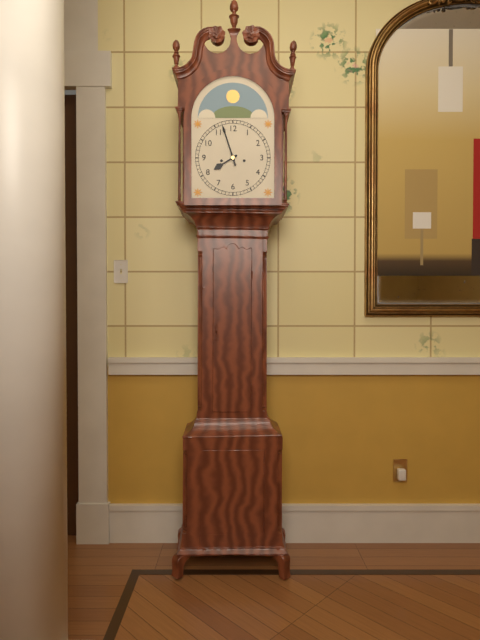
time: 7:57
